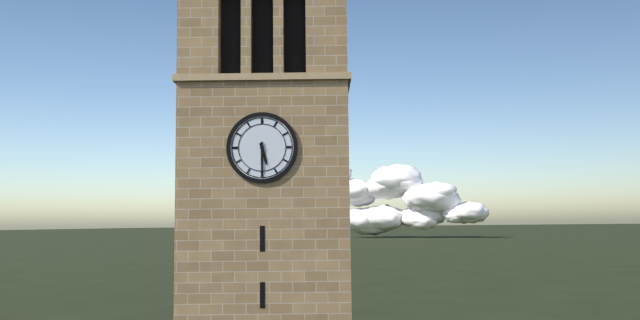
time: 5:30
